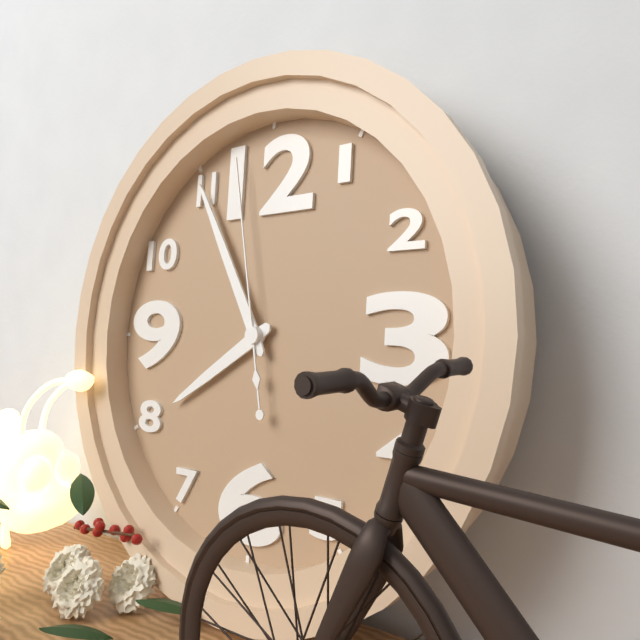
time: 7:55:58
